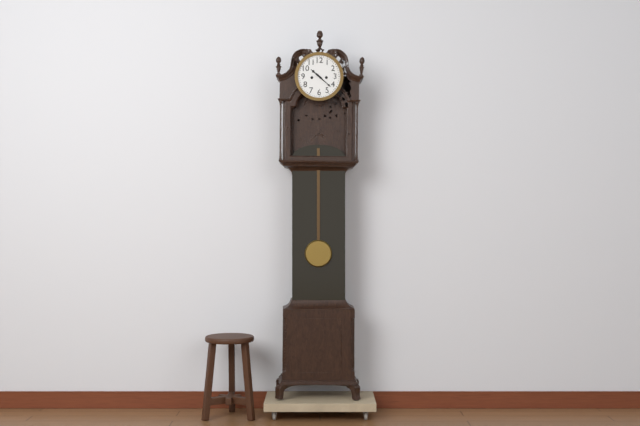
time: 10:22
